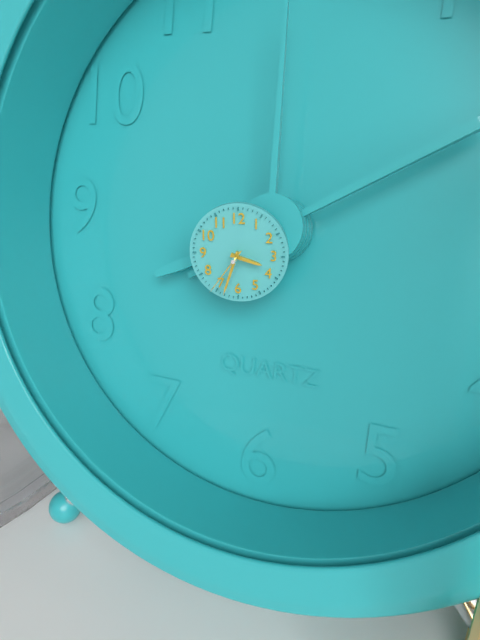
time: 3:33:36
